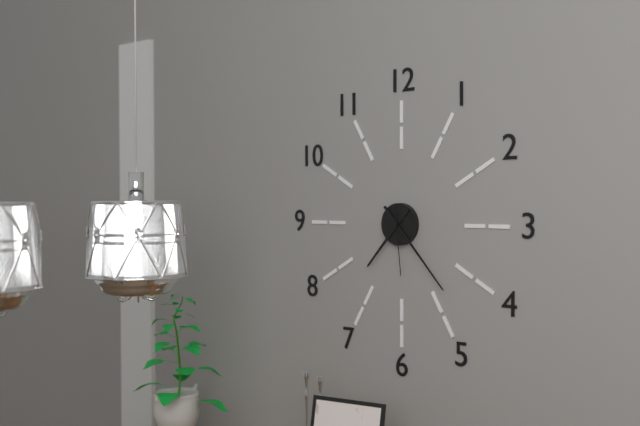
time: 7:23:29
